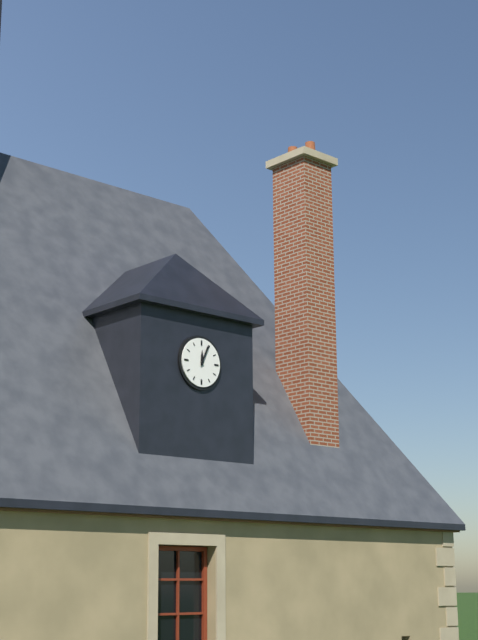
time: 12:04
